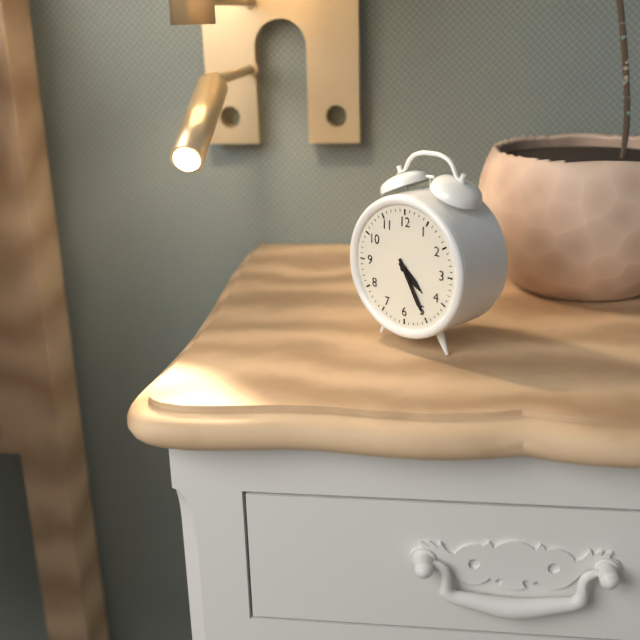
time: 4:25
